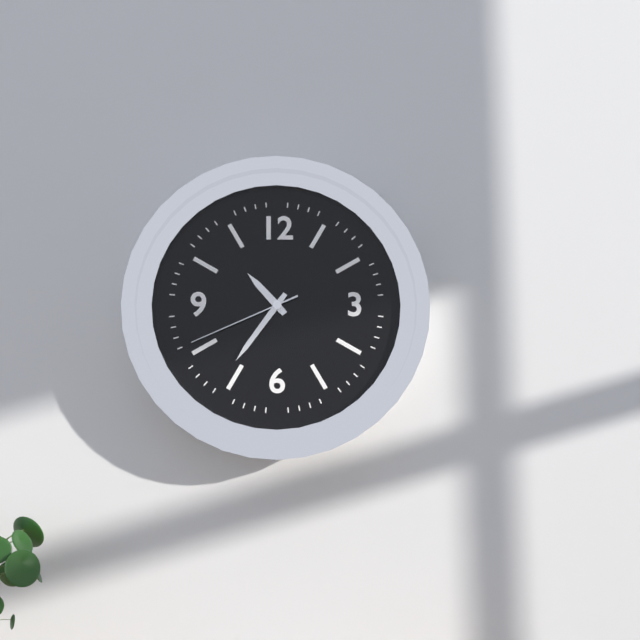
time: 10:36:41
